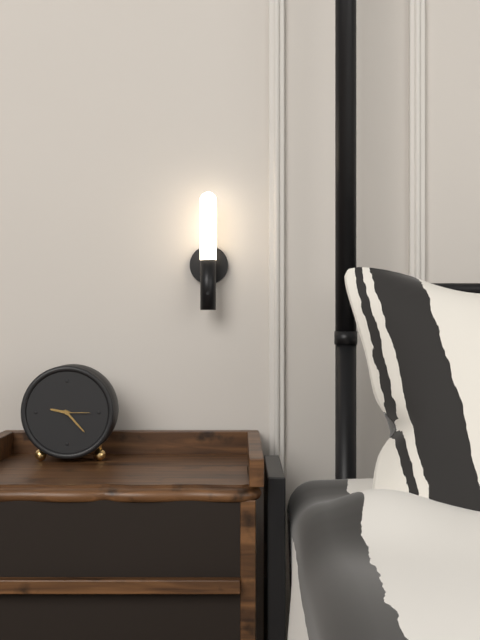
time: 9:23
